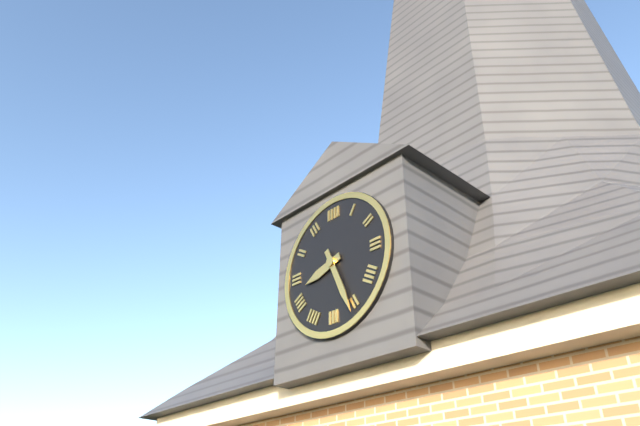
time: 8:26
